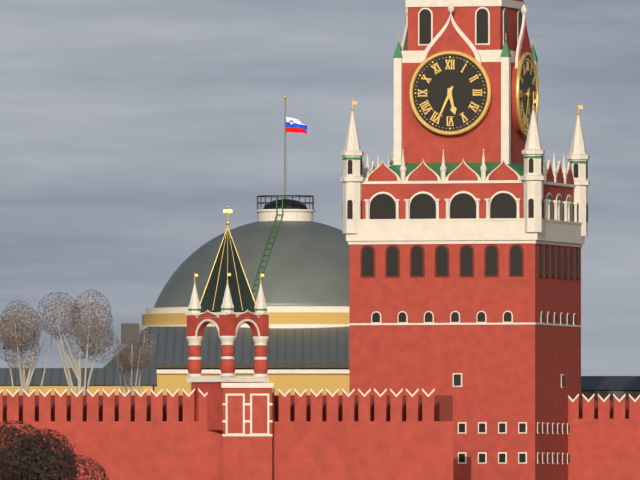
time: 5:34
